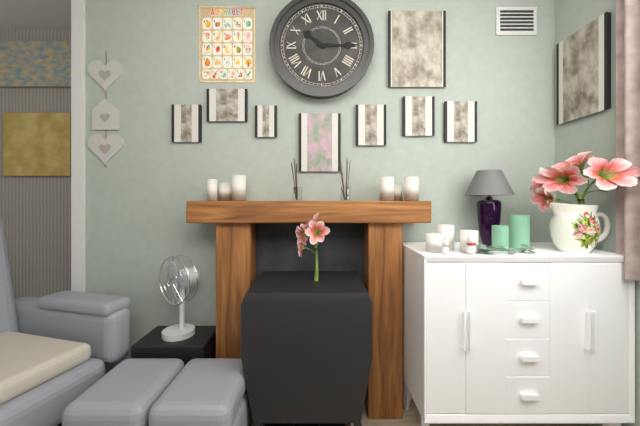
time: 10:15
